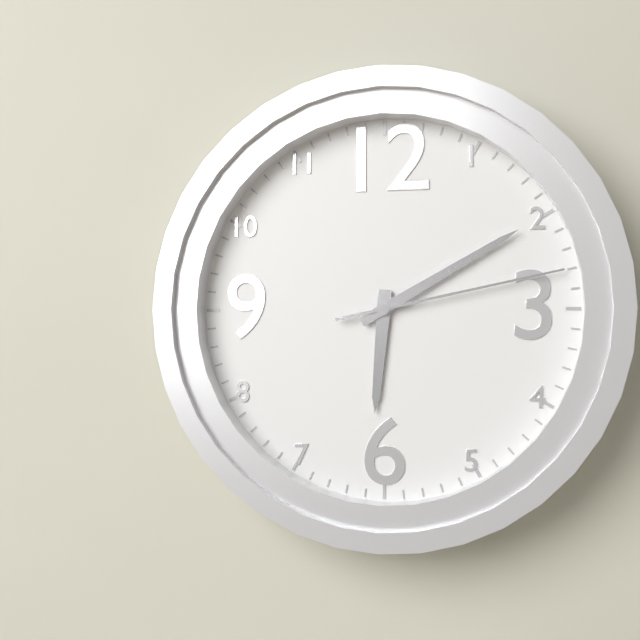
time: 6:10:13
